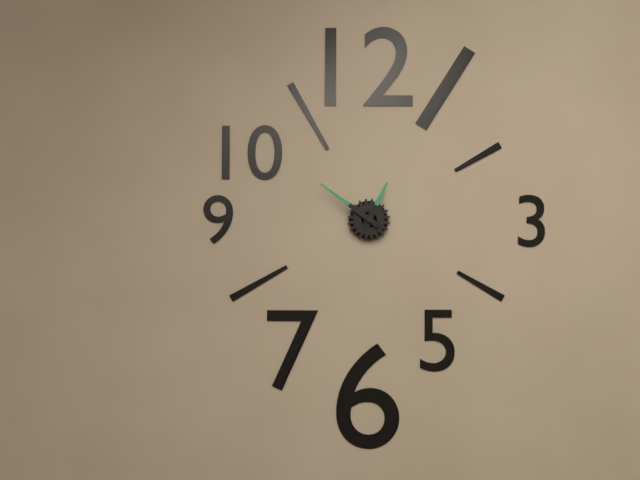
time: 12:51
